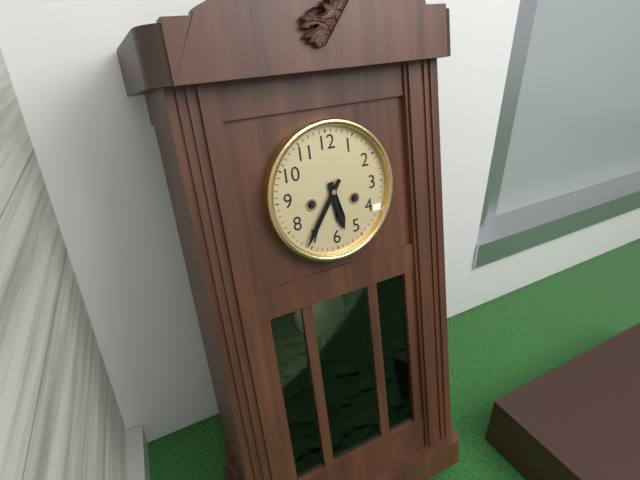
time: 5:36
